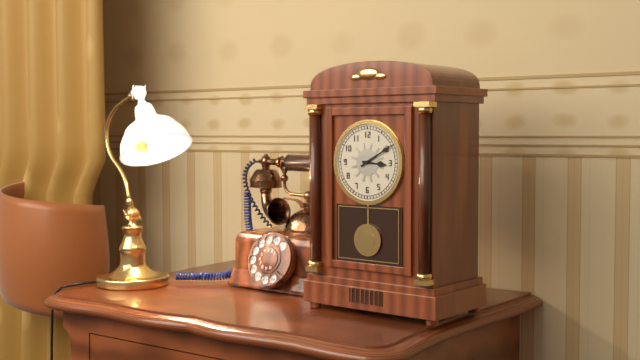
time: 3:10
